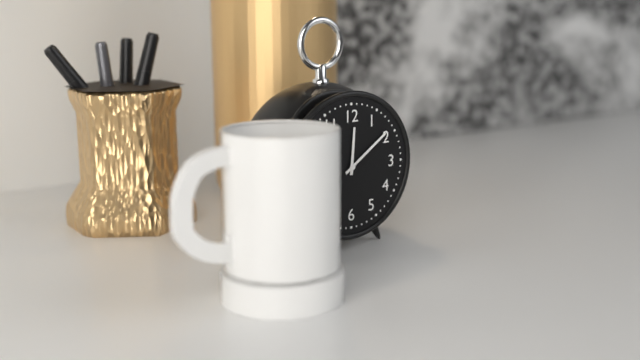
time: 12:09
